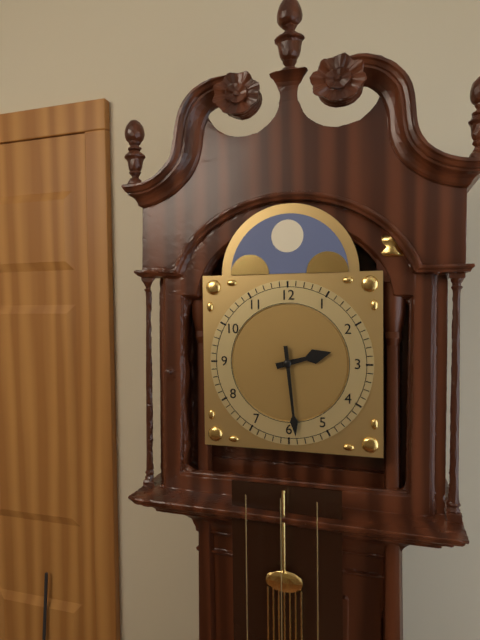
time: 2:29
